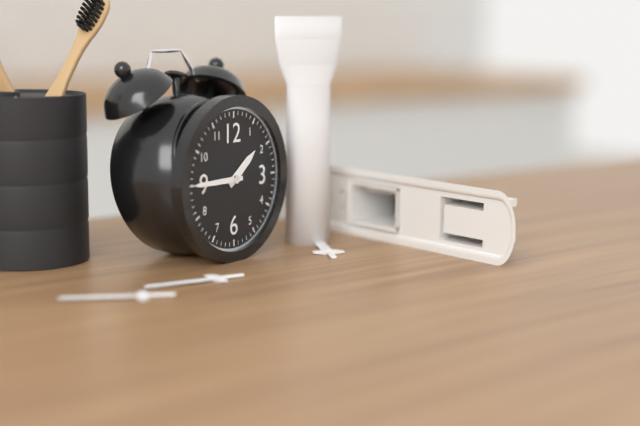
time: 1:45
